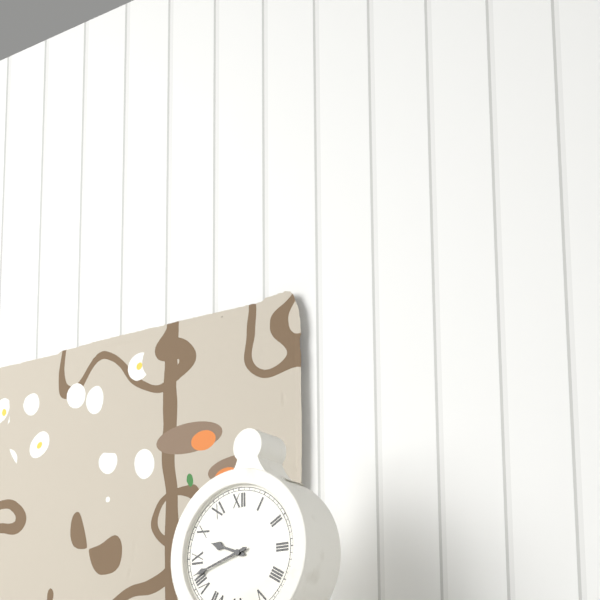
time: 9:42
